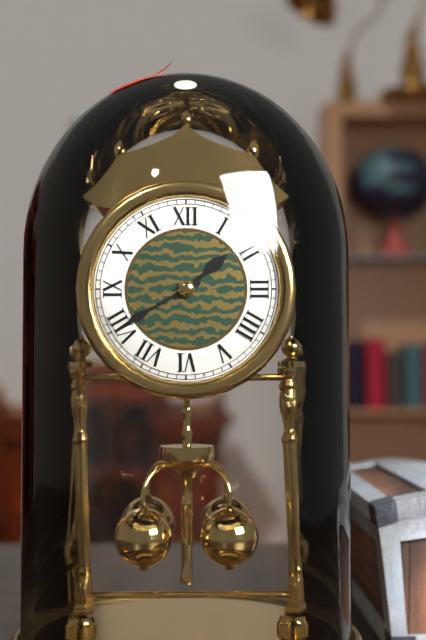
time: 1:40
